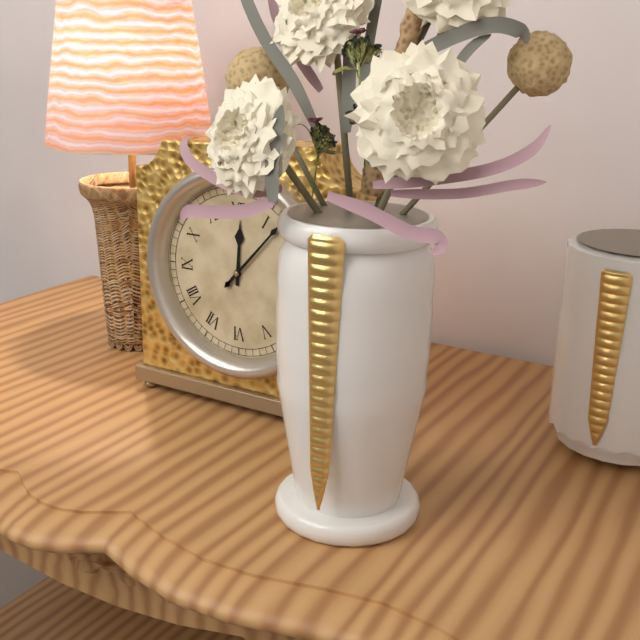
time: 12:07
